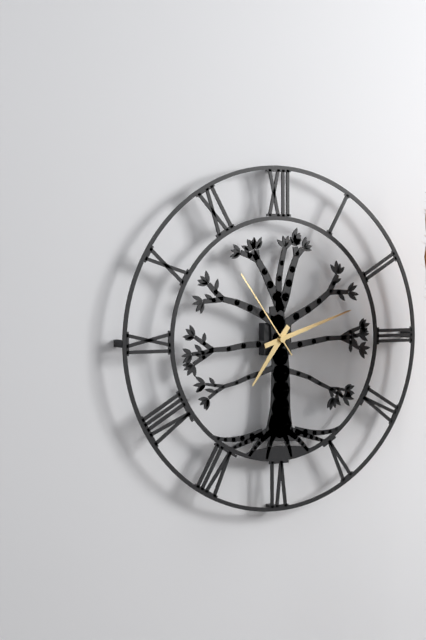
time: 7:12:54
